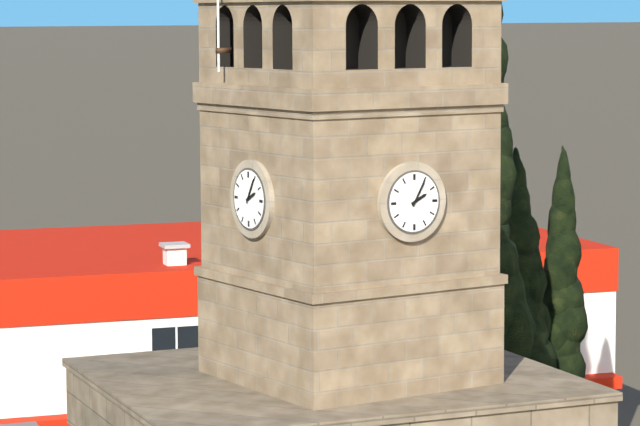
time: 2:05
